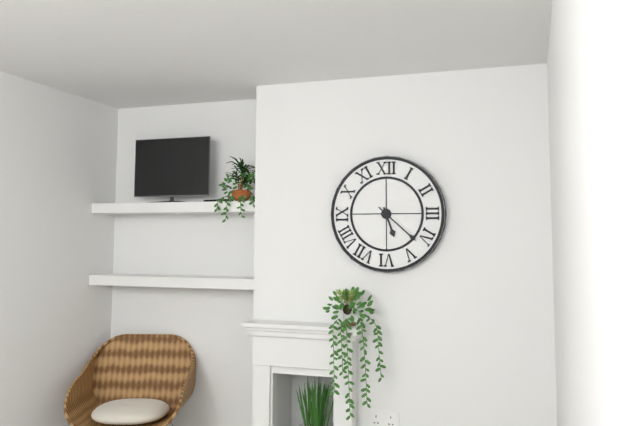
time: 5:22
